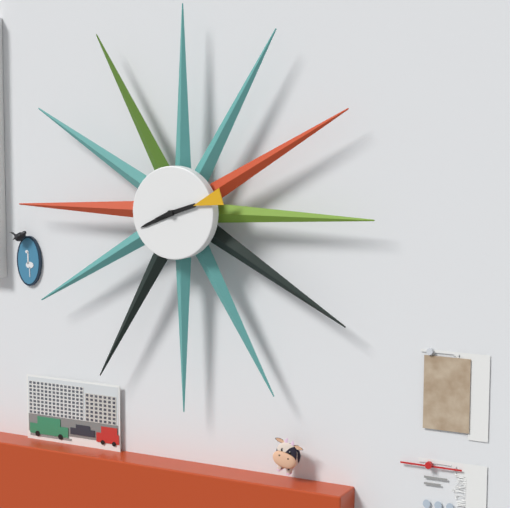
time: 8:12
